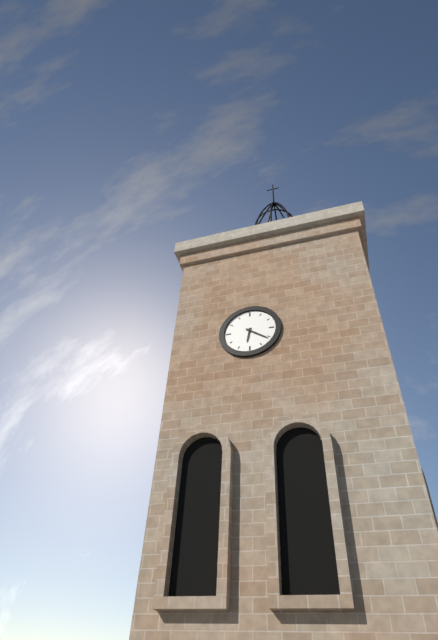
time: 6:21
